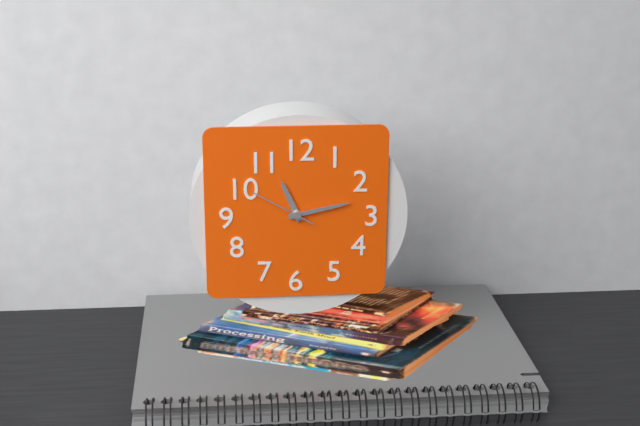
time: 11:13:50
